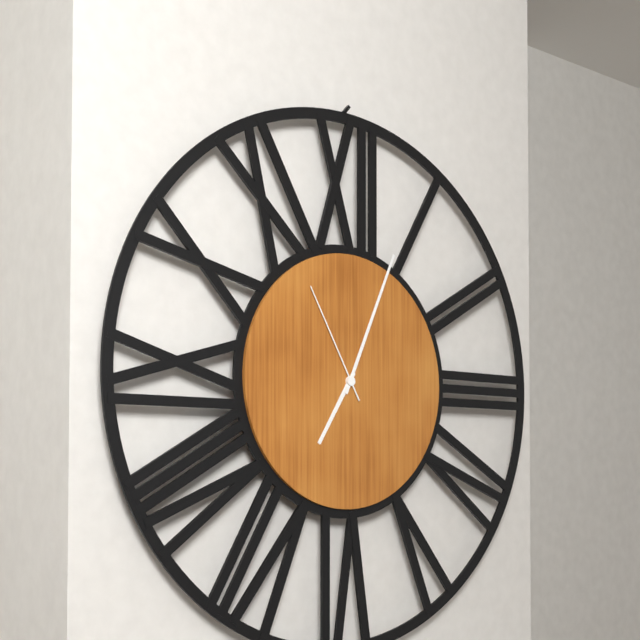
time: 7:04:55
